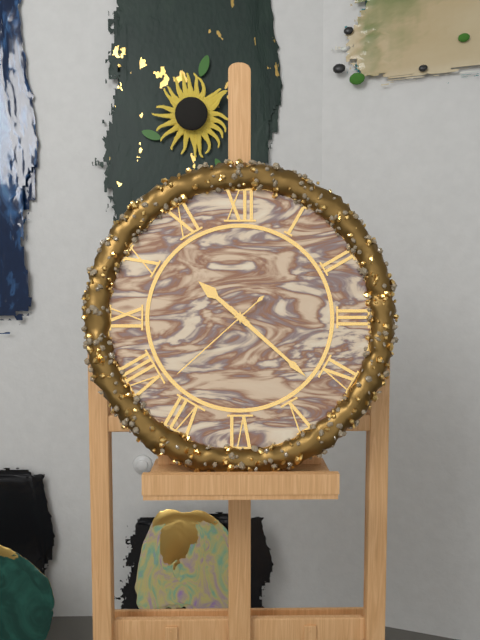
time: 10:22:38
